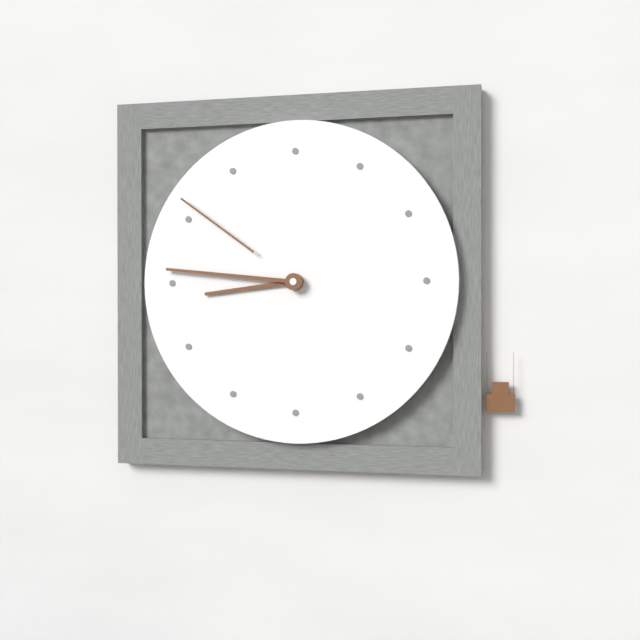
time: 8:46:51
